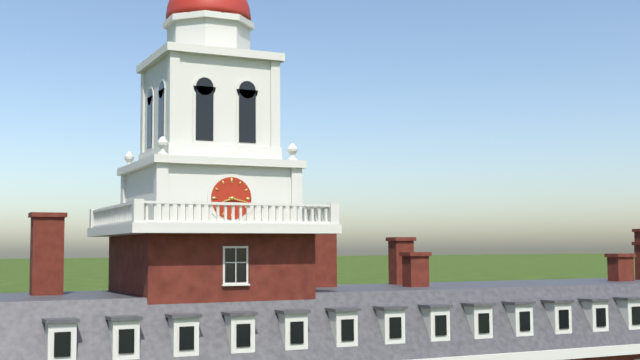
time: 8:17
